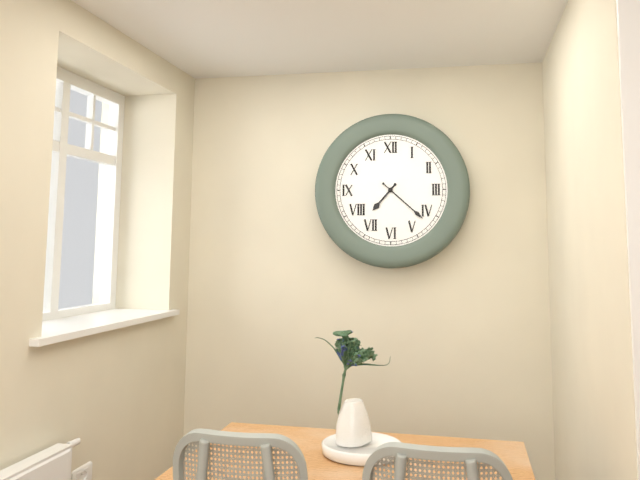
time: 7:22
